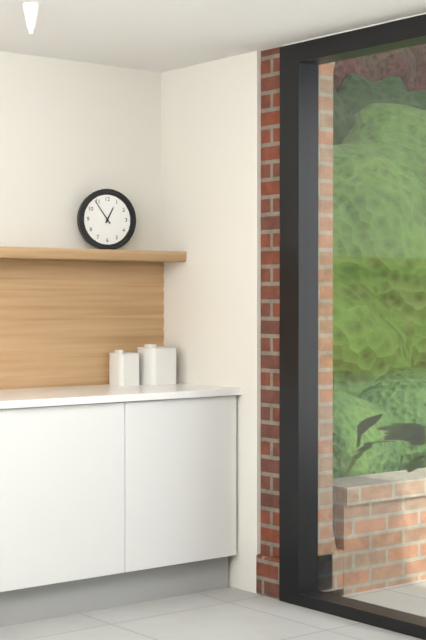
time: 12:54
